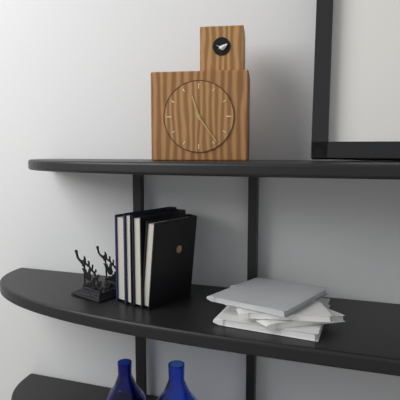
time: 11:24
